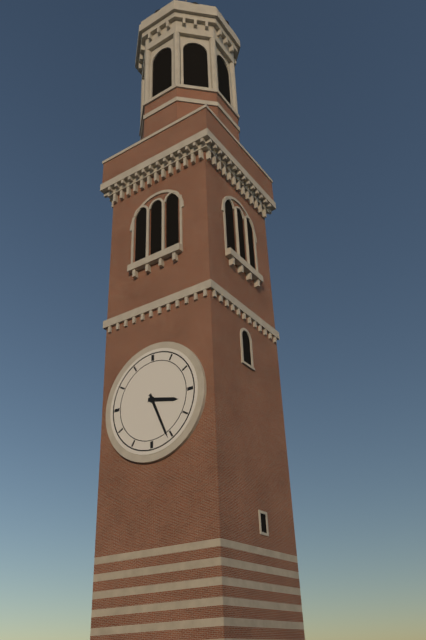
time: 3:26
